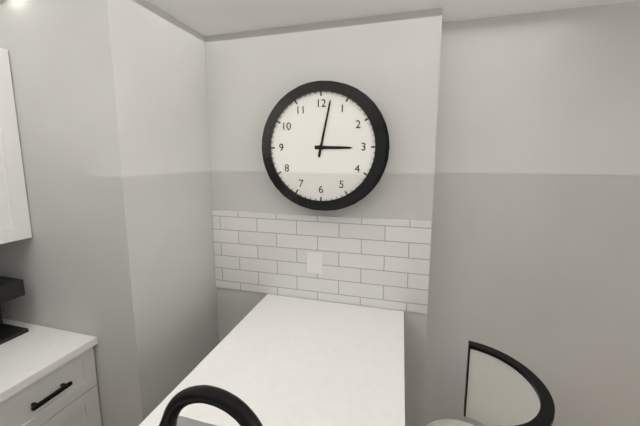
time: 3:02
